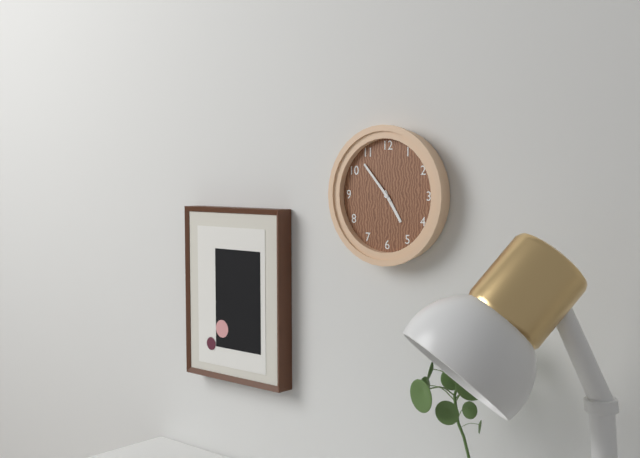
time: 4:53
